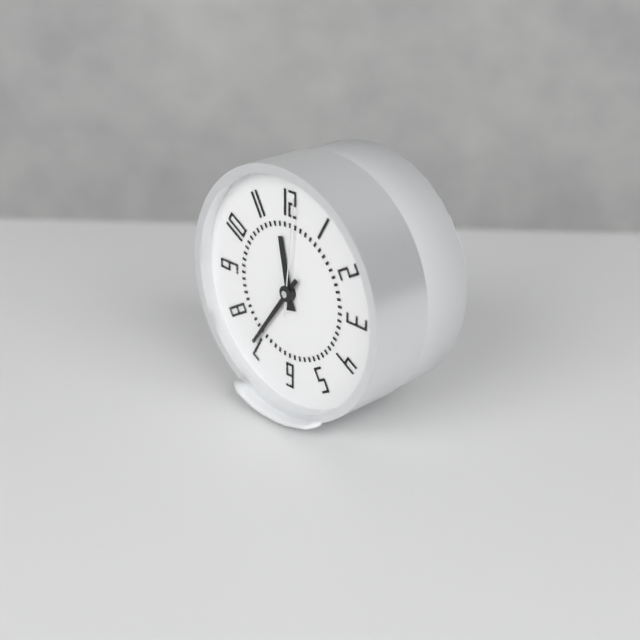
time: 11:36:01
